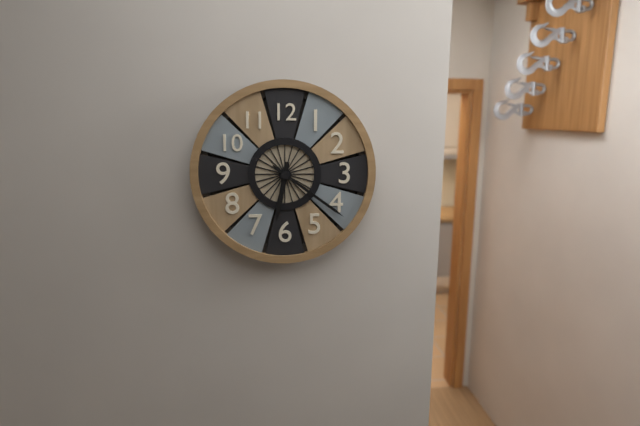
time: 6:21
